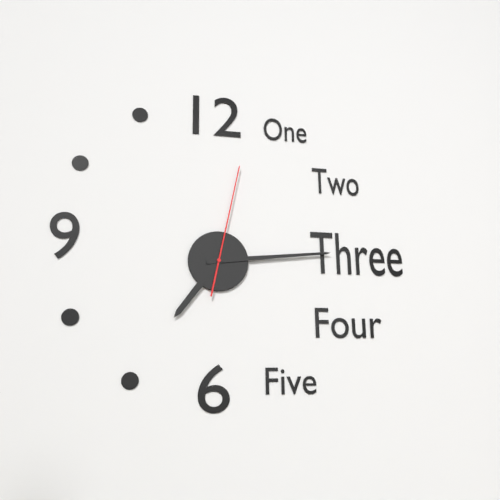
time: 7:14:02
